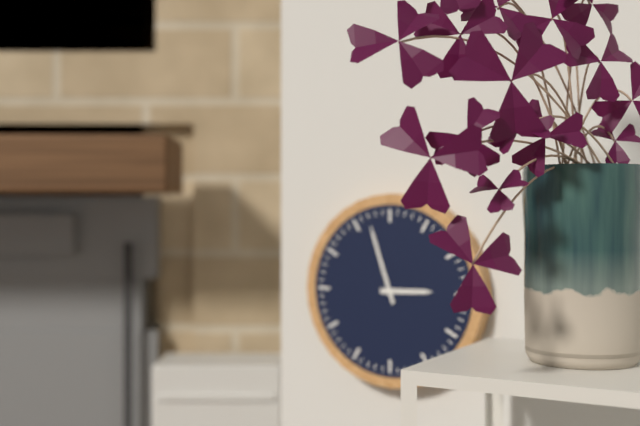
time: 2:57
